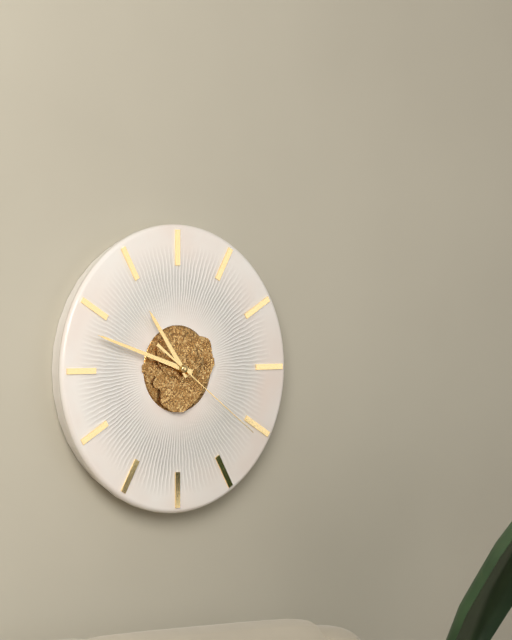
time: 10:48:21
